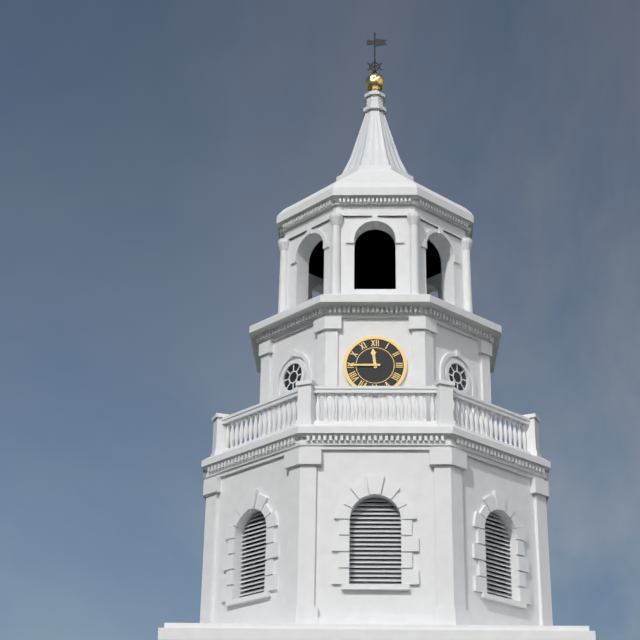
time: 11:45
